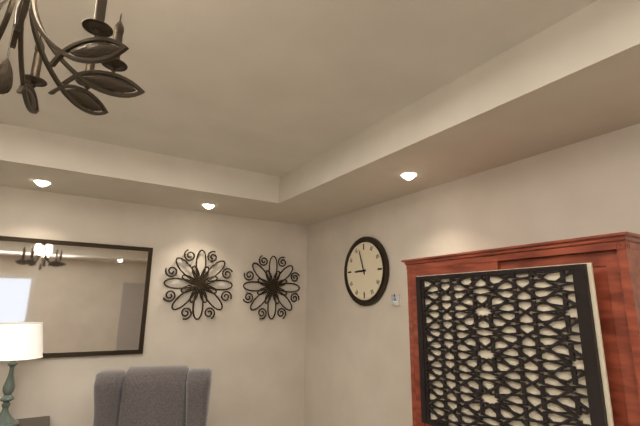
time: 8:57
